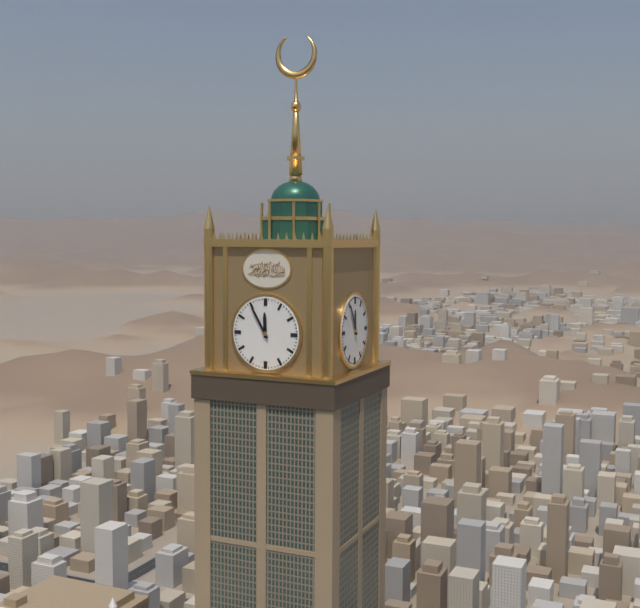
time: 11:55
